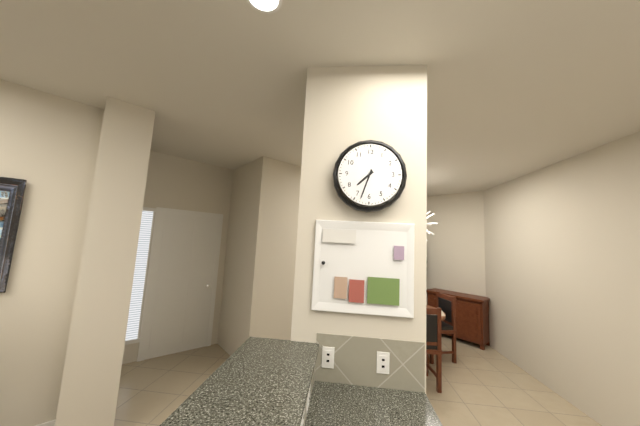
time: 7:33
